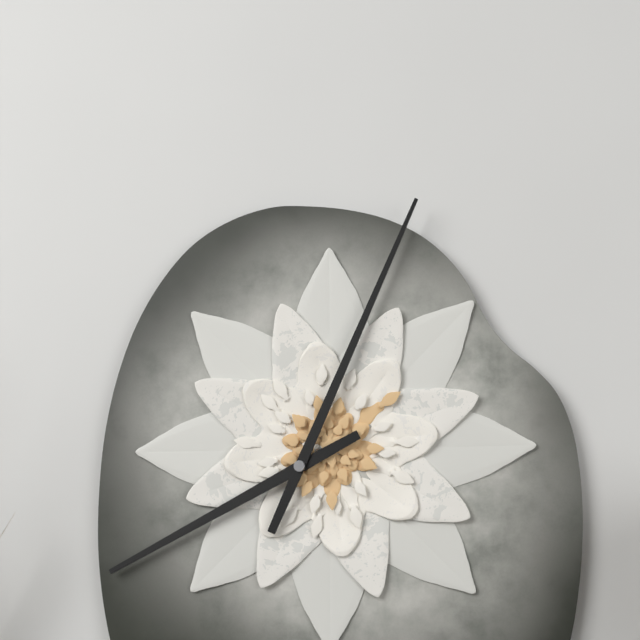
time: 8:04
